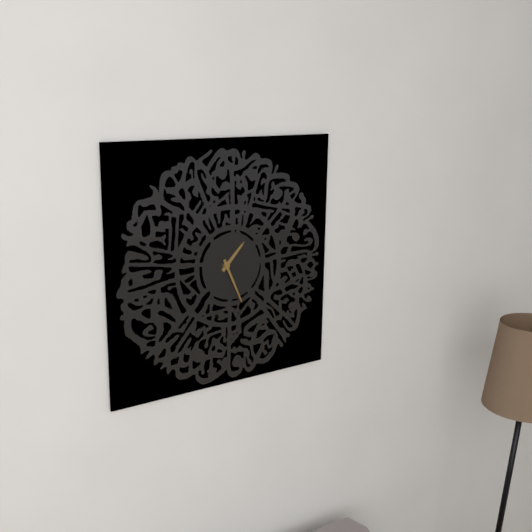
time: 1:26
